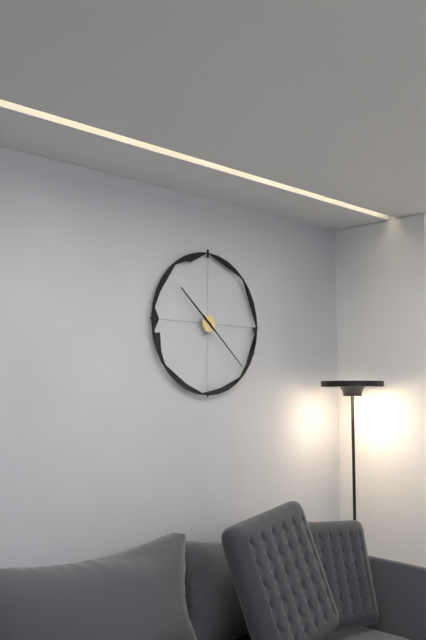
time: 10:22
